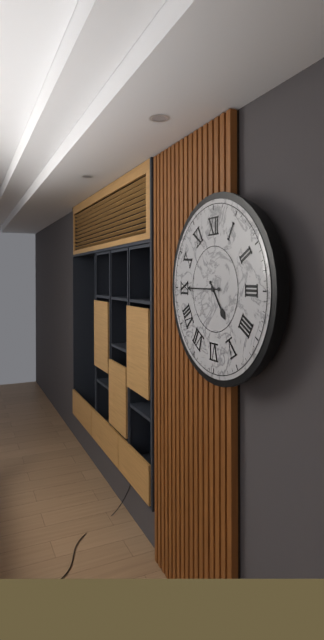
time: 4:45
